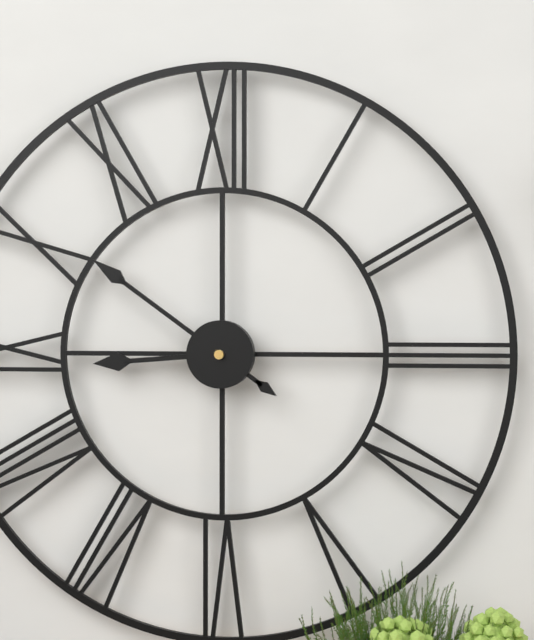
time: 8:51
